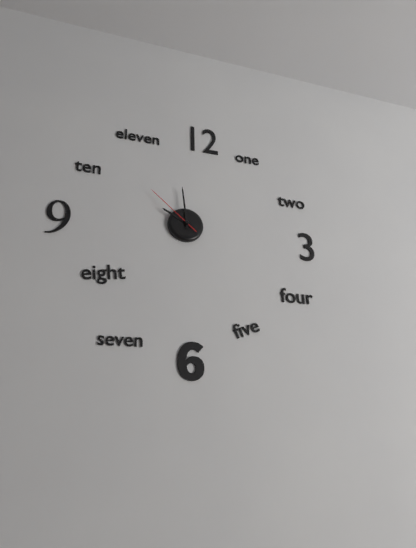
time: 9:59:52
